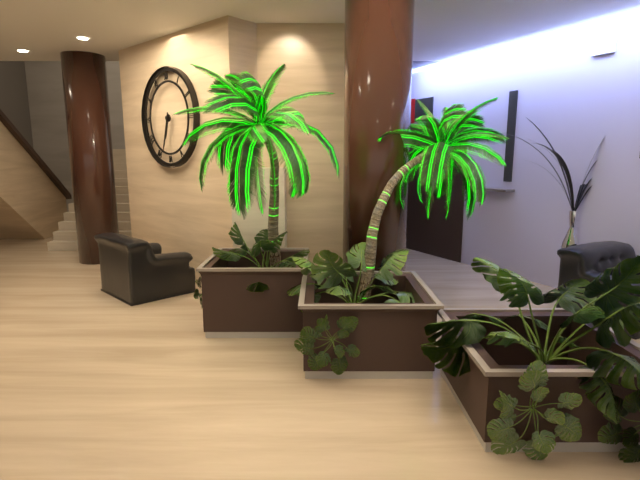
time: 6:33
